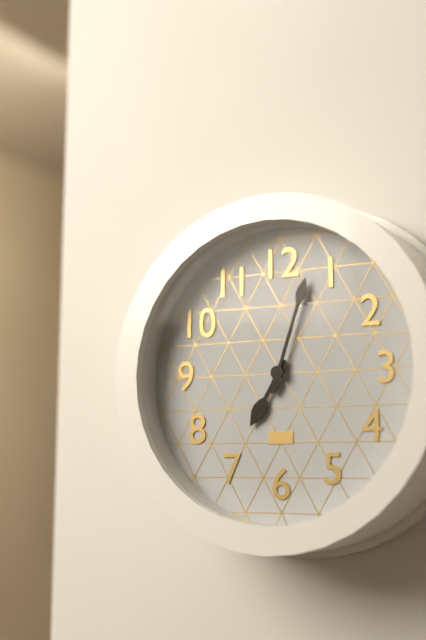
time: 7:03
